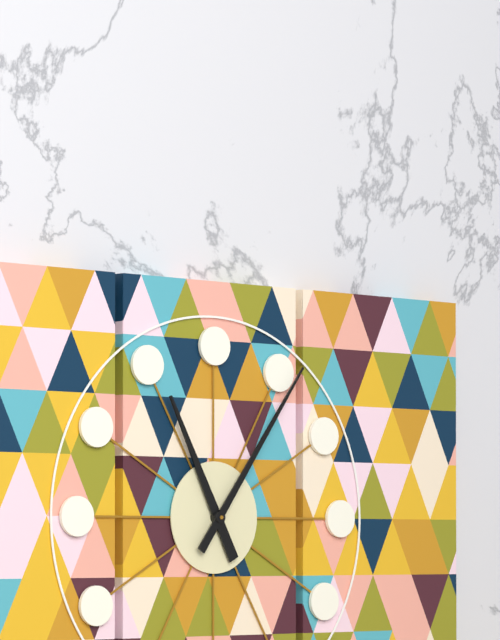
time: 11:06
